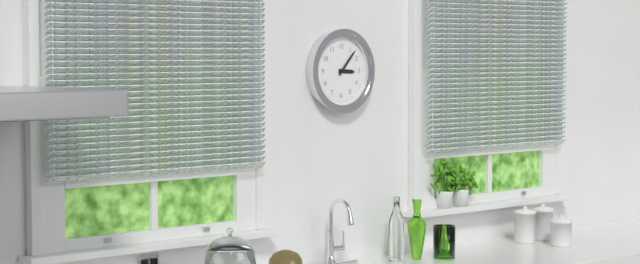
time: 3:07
